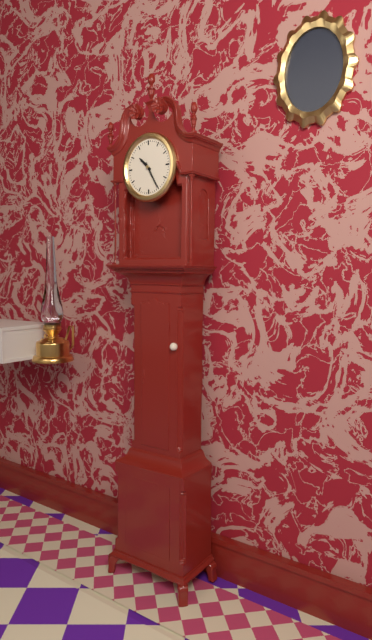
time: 10:25
